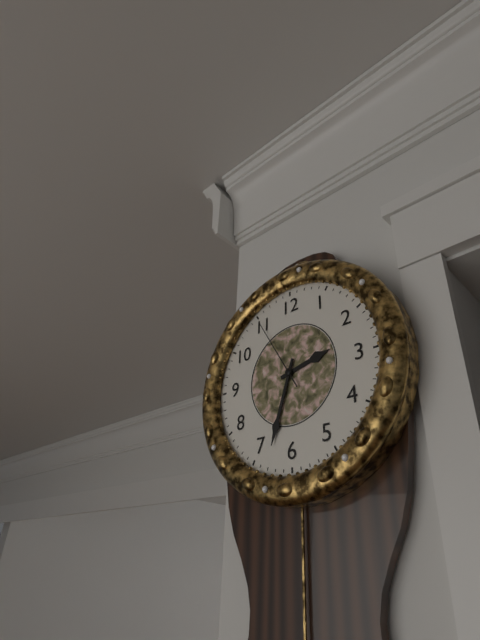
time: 2:33:55
